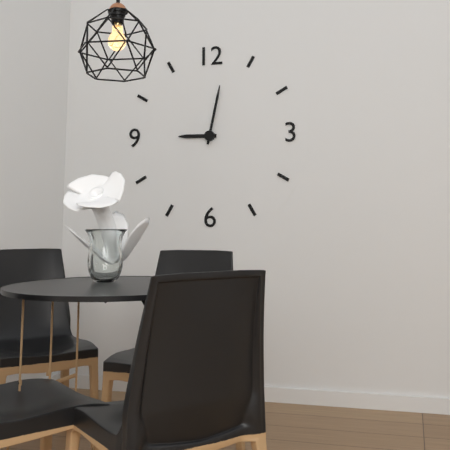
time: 9:02
